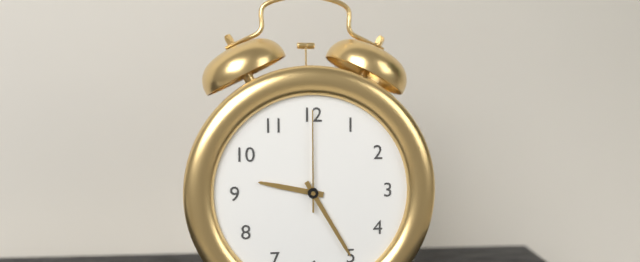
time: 9:25:00
